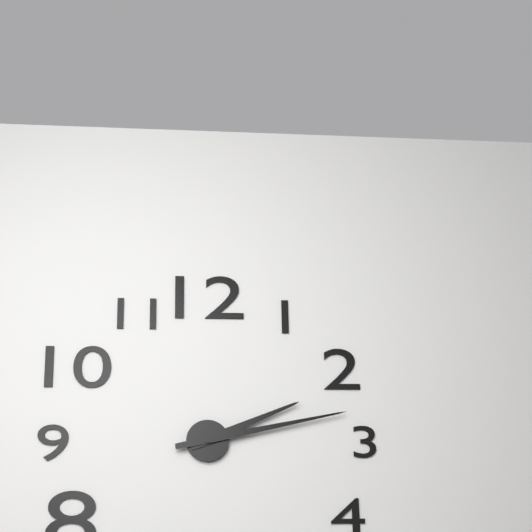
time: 2:13
